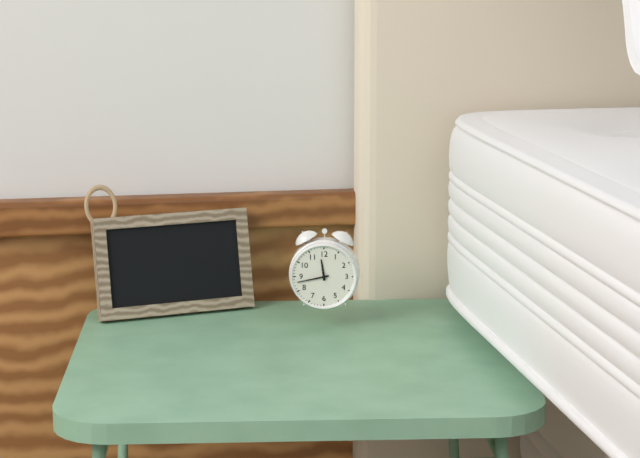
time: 11:43
